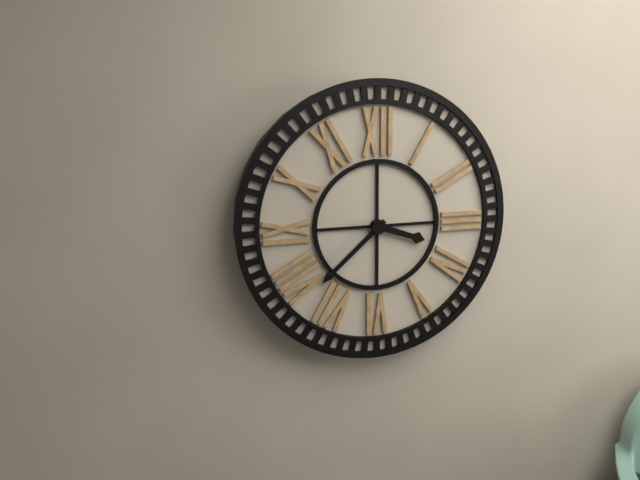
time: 3:38
